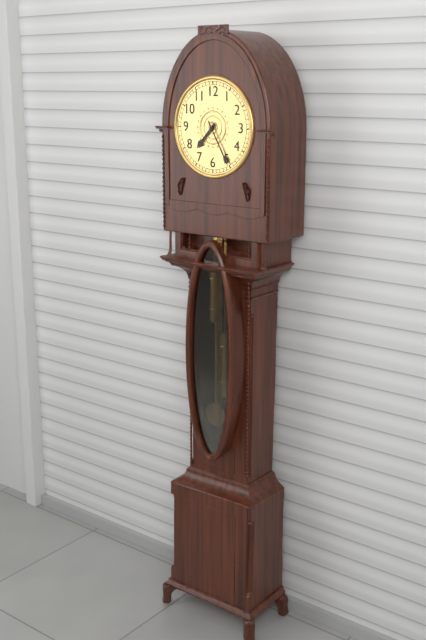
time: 7:25
